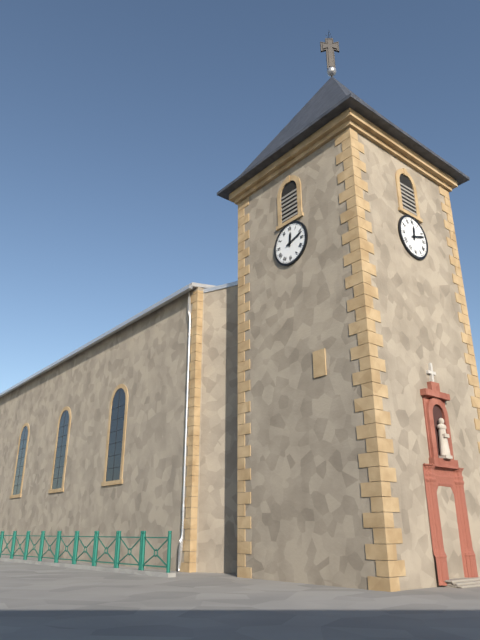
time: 12:12
